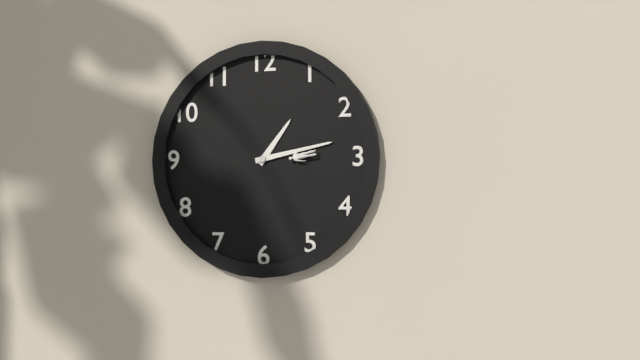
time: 1:13
